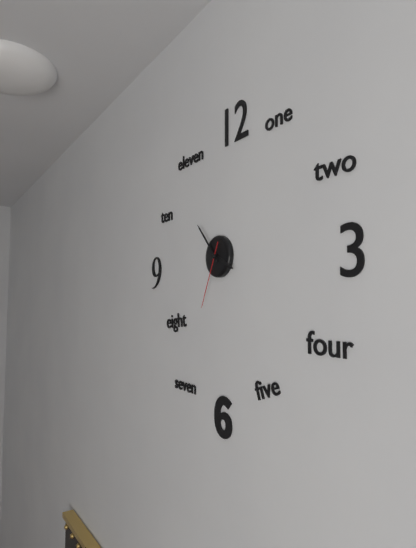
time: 3:53:34
